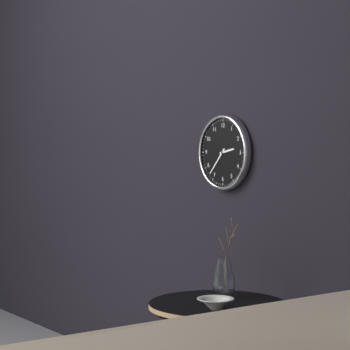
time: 2:37
